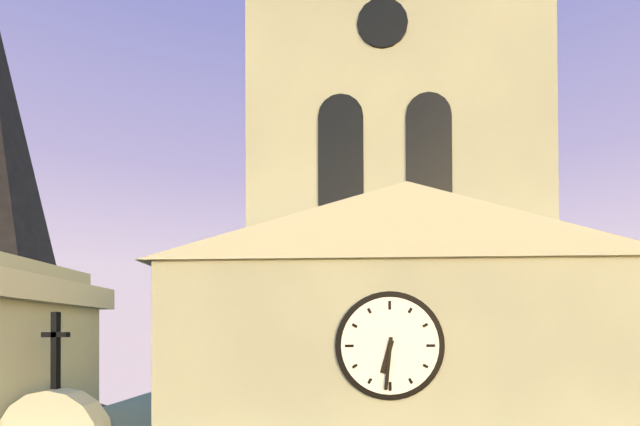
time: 6:31
